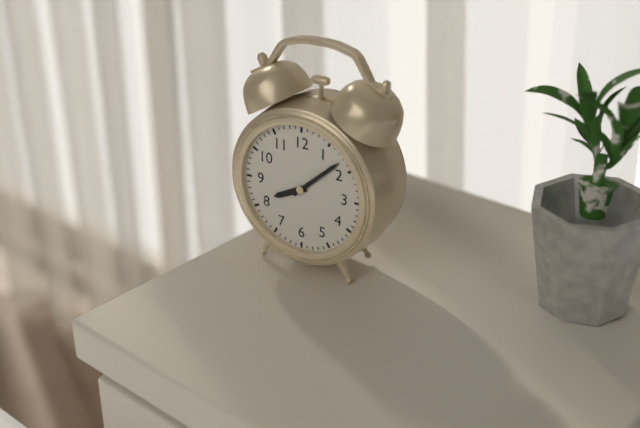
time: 8:08
